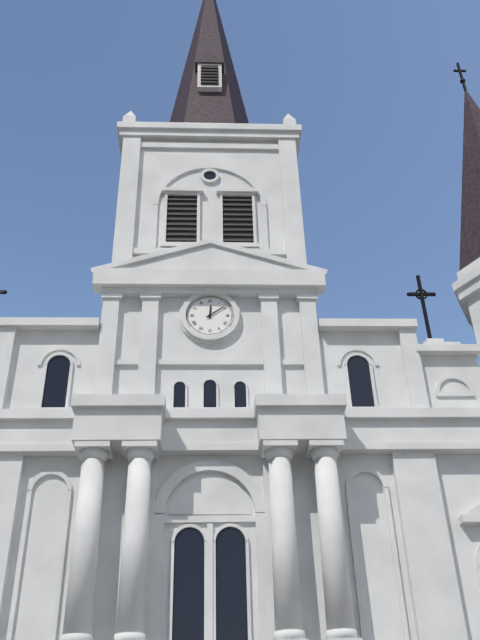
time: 12:09
